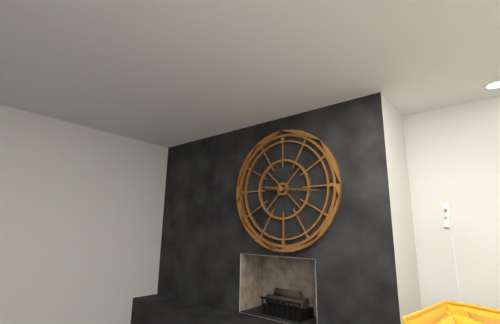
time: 9:16
